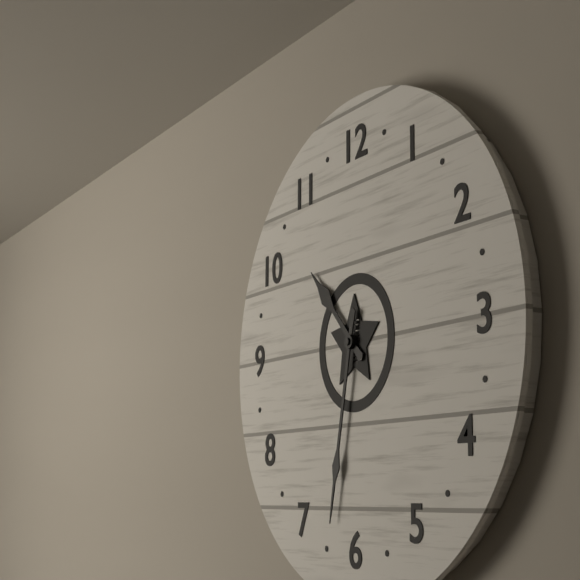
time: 10:32
